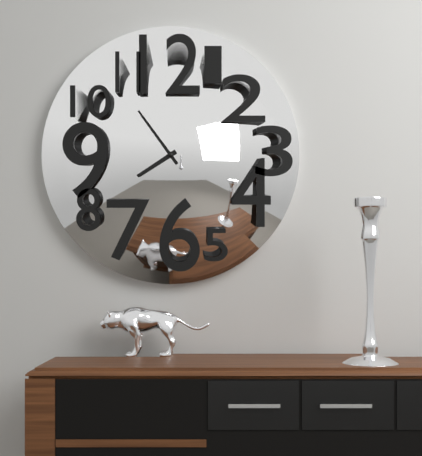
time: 7:54
